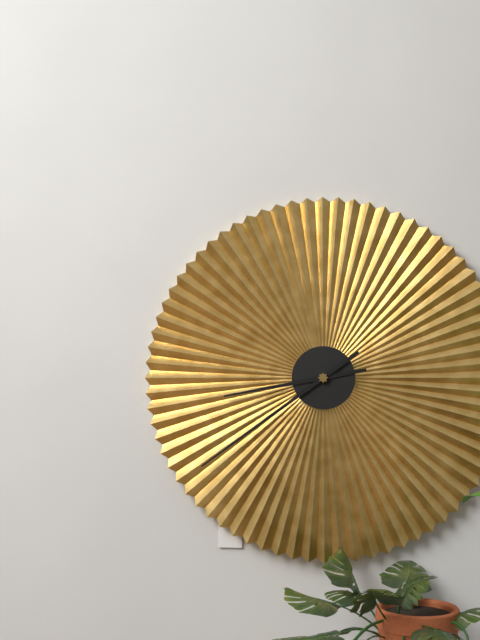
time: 8:39
